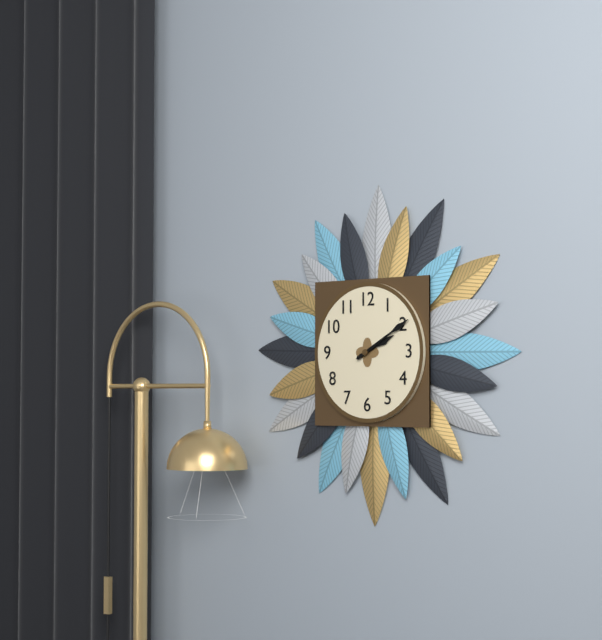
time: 2:10
